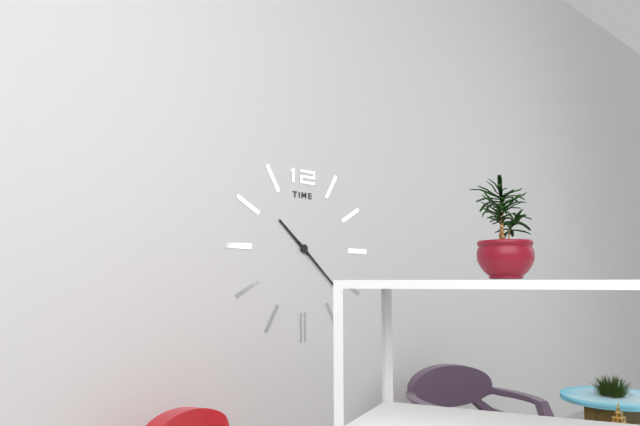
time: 10:22
